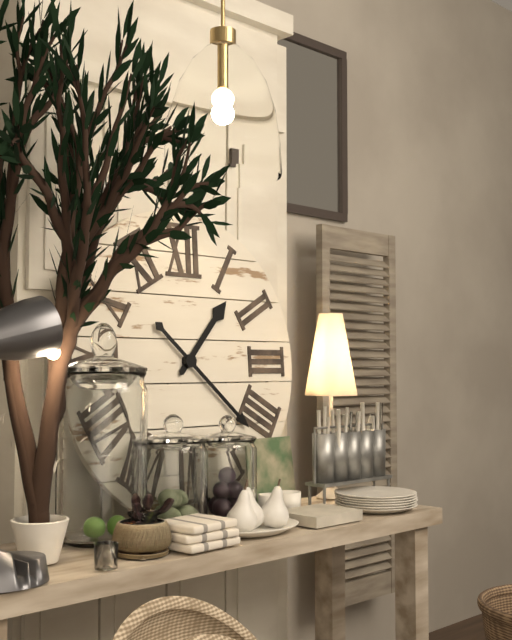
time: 1:22
